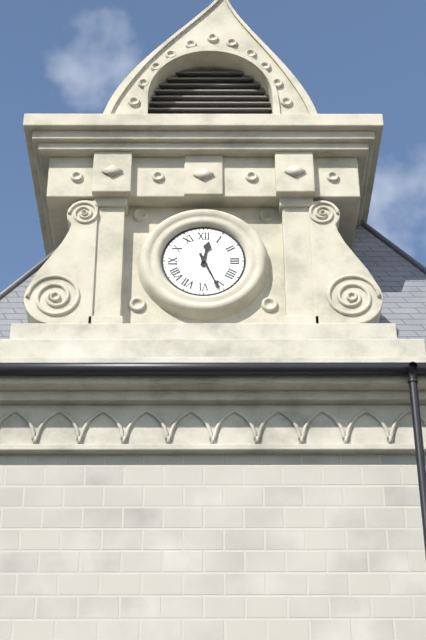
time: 12:26
